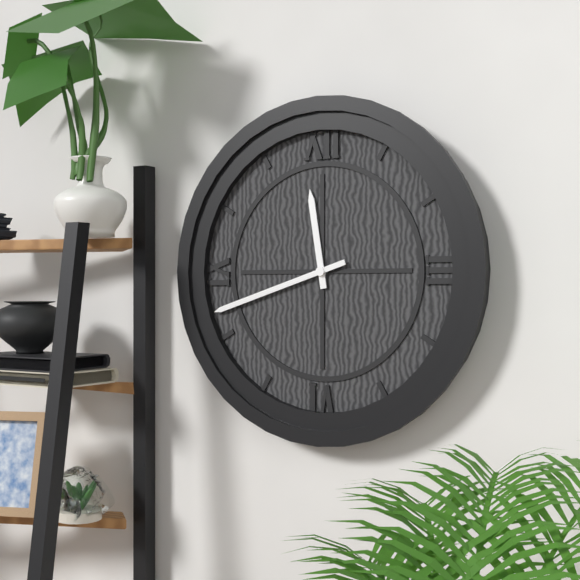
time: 11:42
